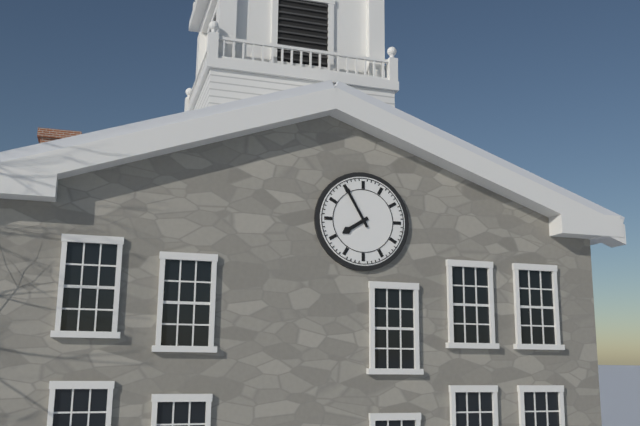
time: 7:55
